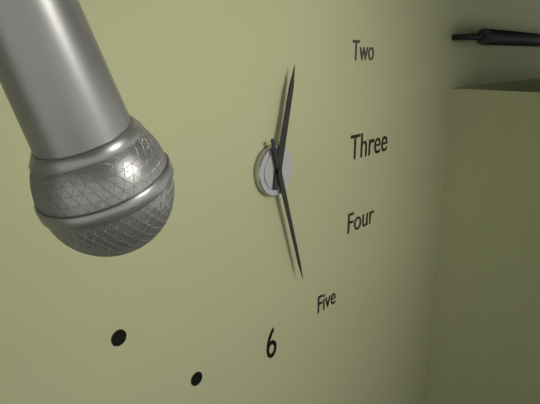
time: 12:27
